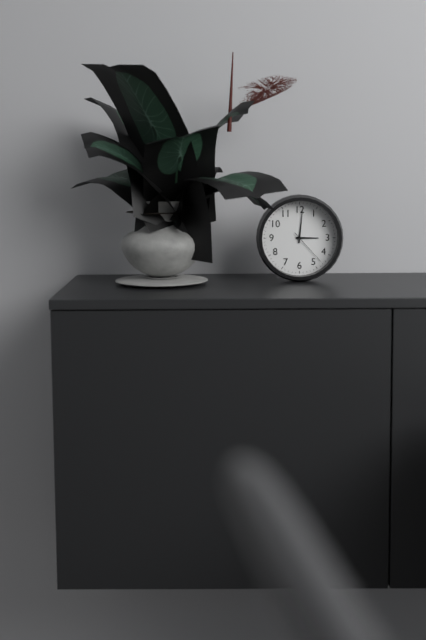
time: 3:01
